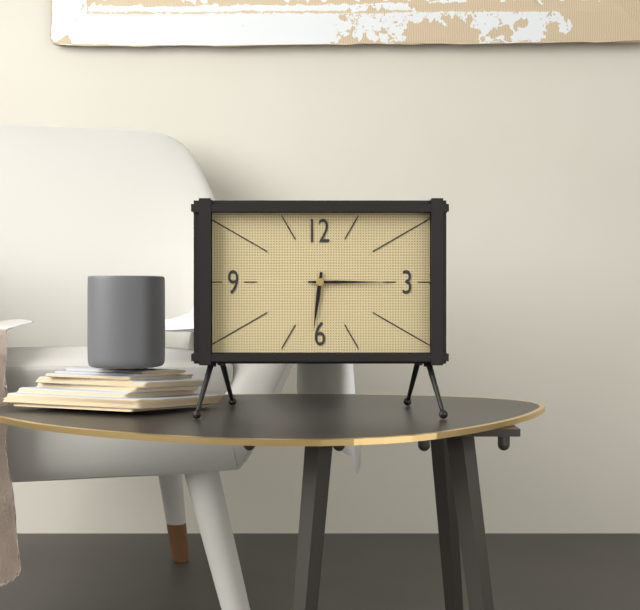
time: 6:15
